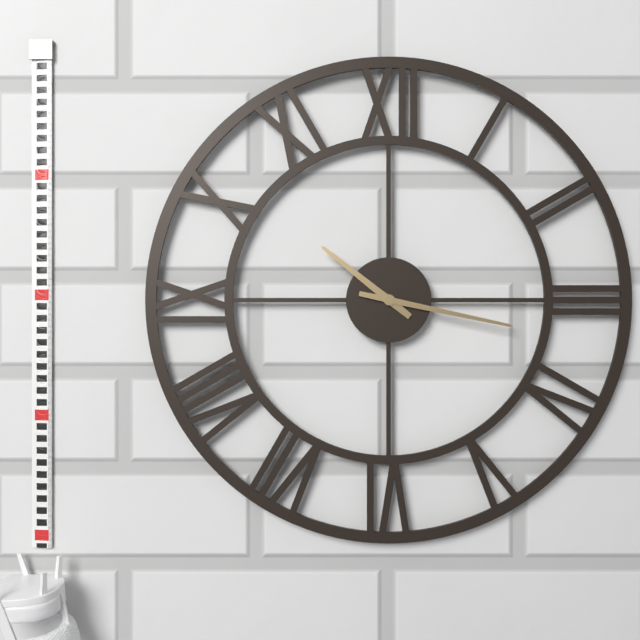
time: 10:17
